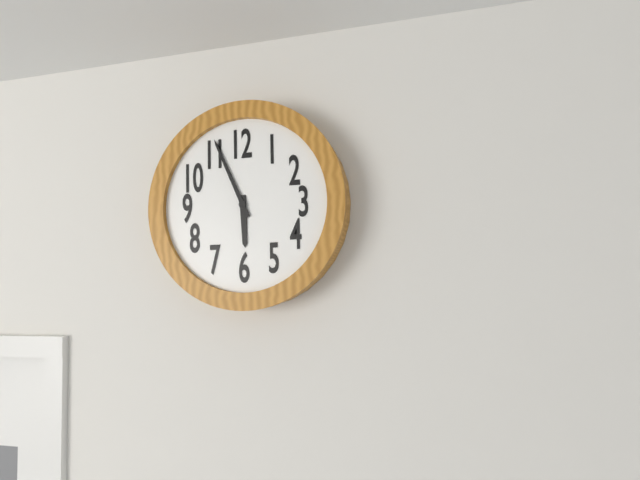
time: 5:56
